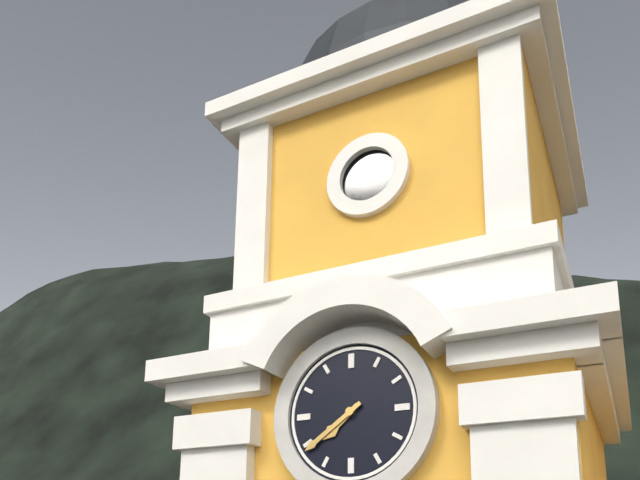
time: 7:39
